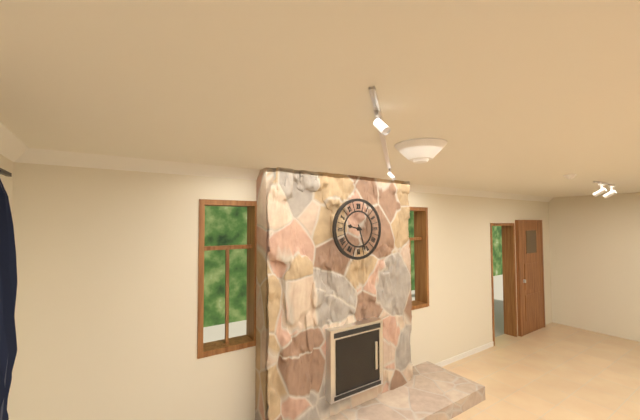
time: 9:27
